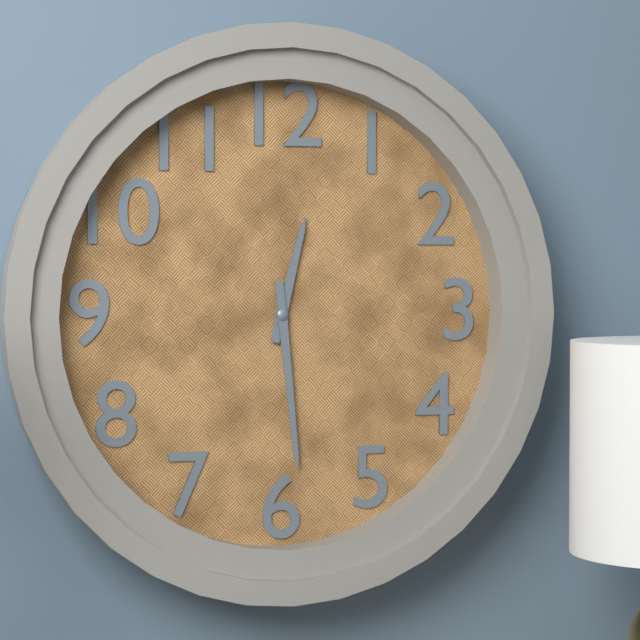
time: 12:29
